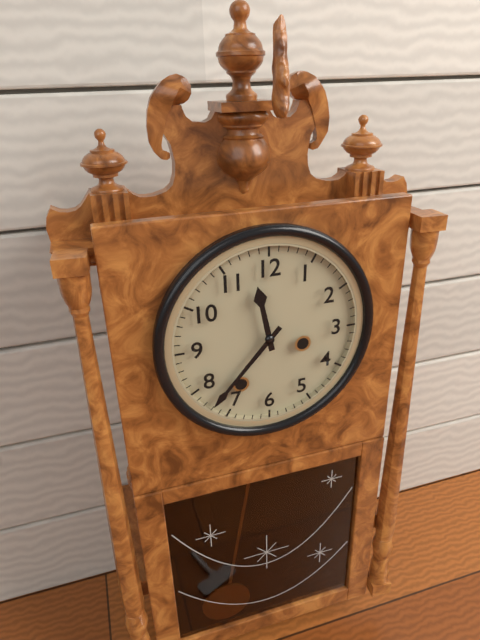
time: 11:37
